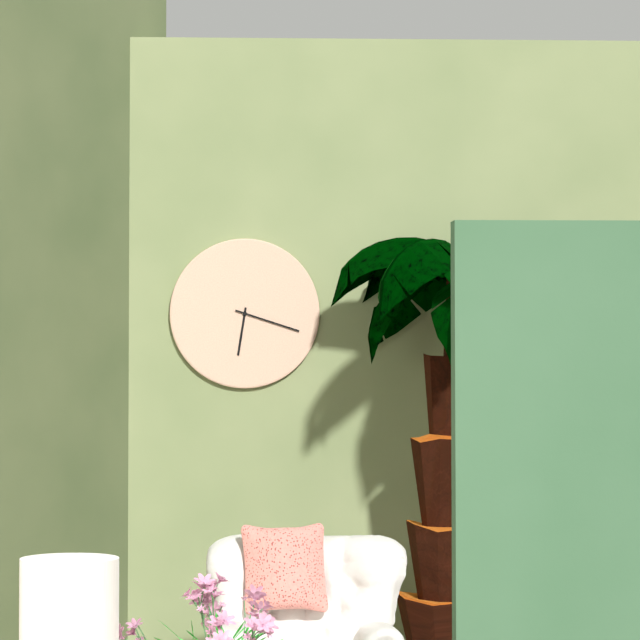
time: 6:18
